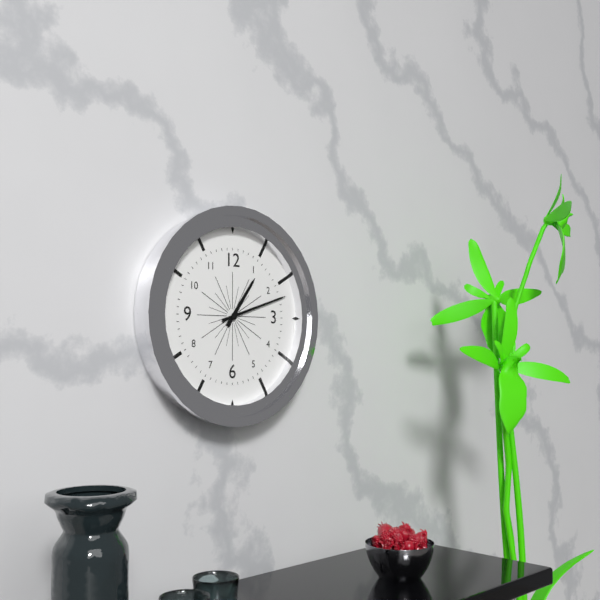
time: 1:12
